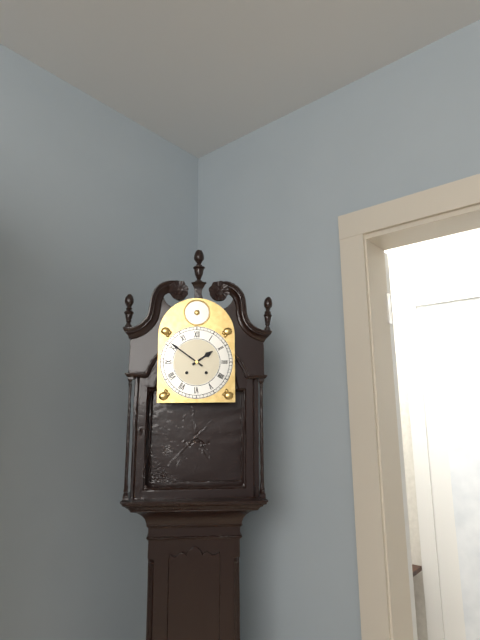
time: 1:51
